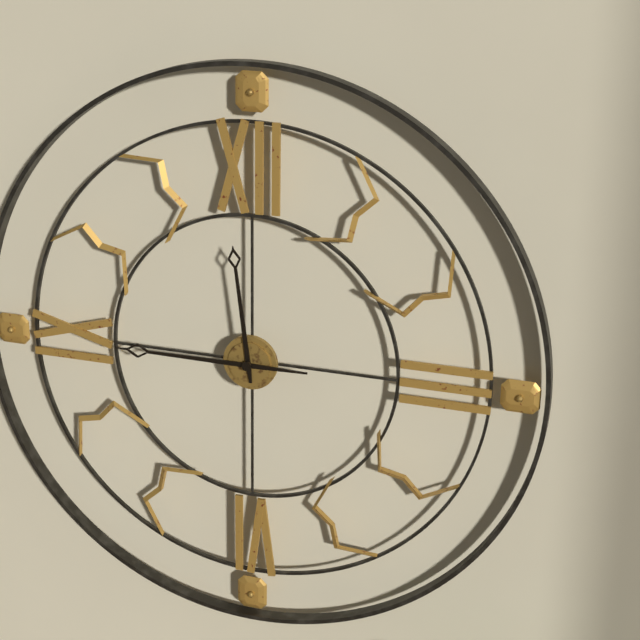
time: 11:45
